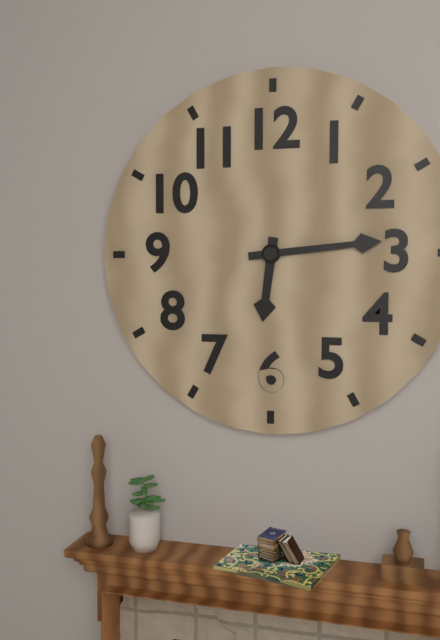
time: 6:14
